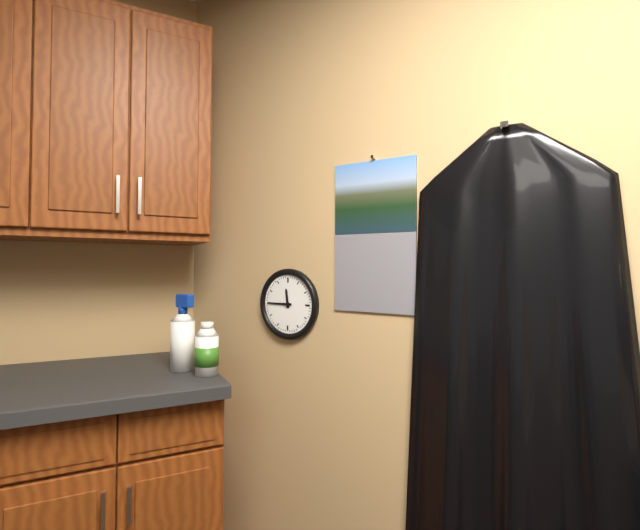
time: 11:45
